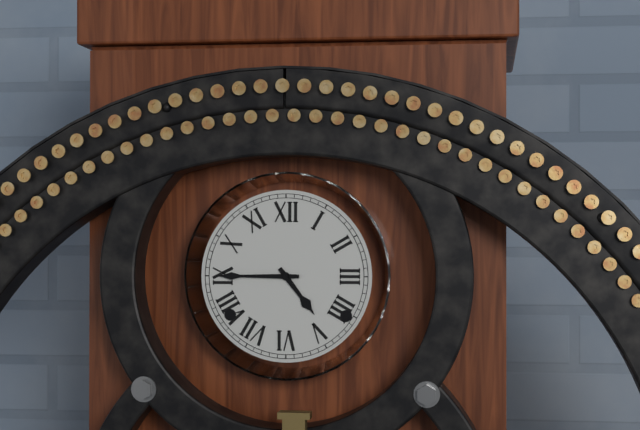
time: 4:45
